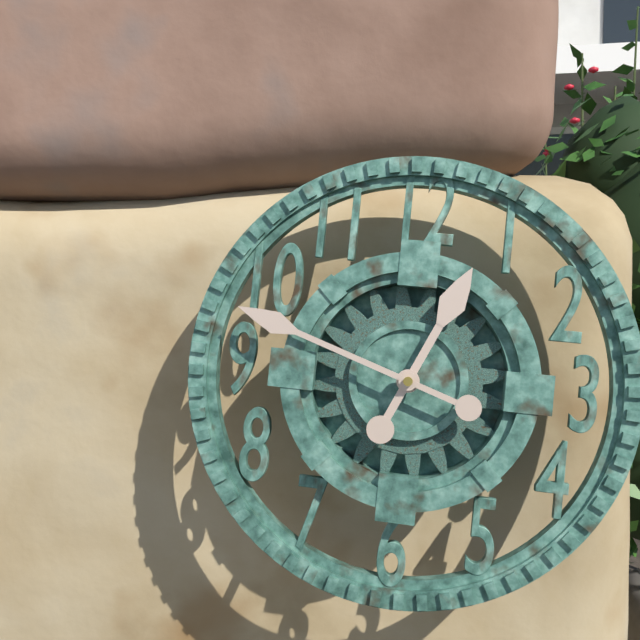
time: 12:48
